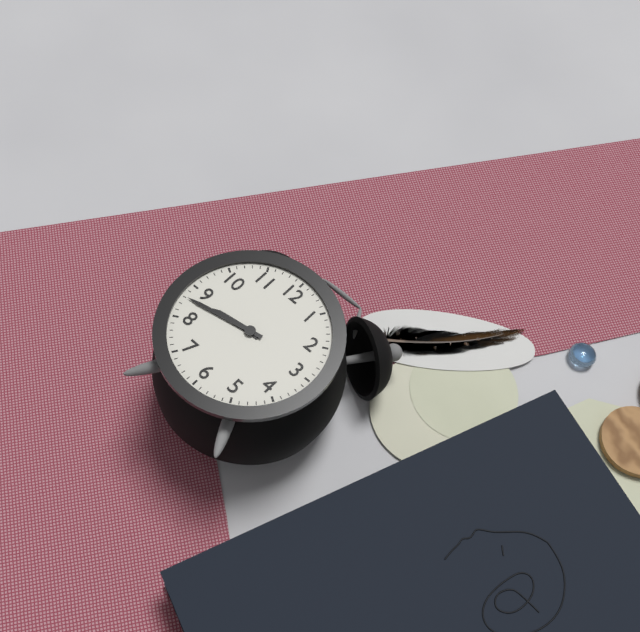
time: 8:43
